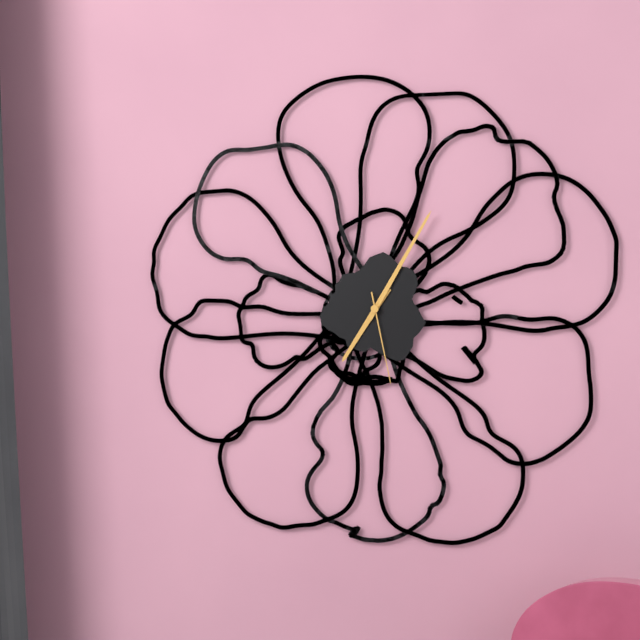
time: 7:05:28
